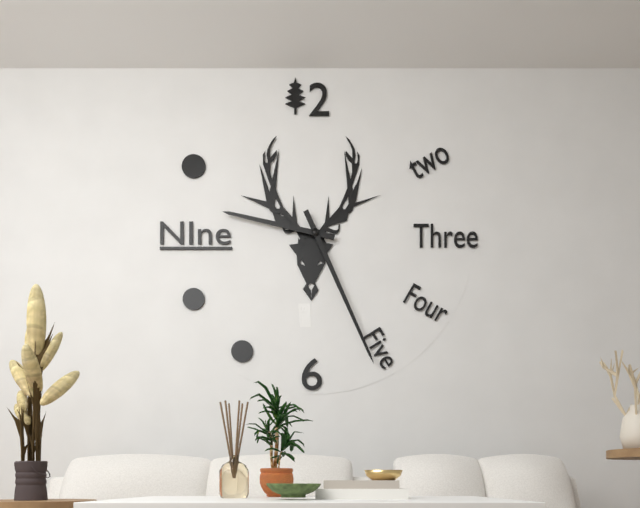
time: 9:26
